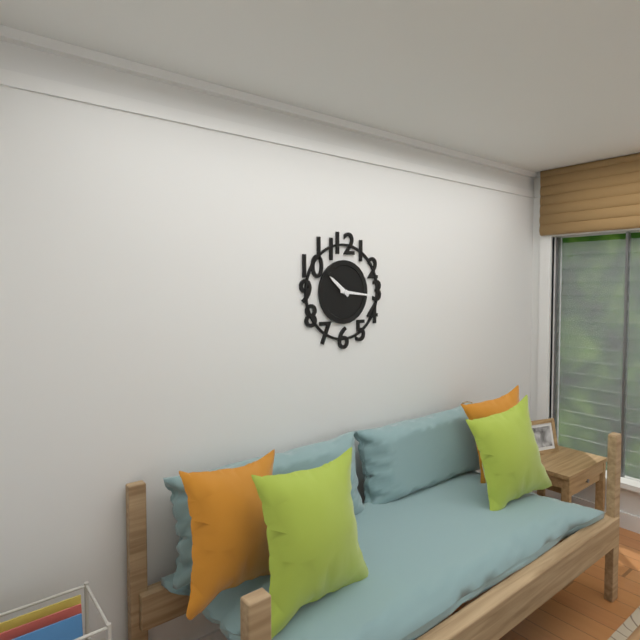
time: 10:16
